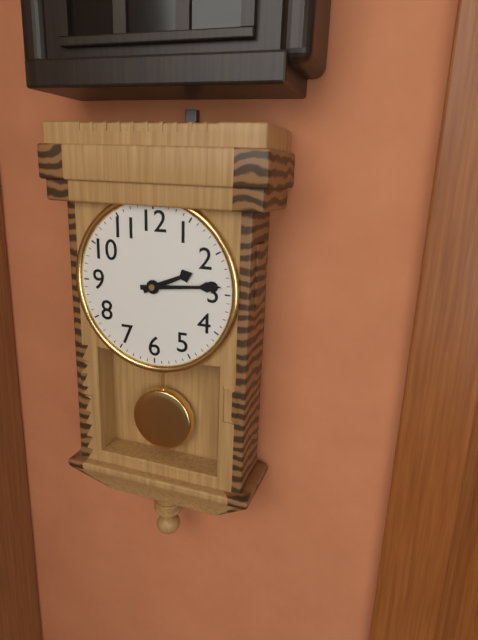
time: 2:14
